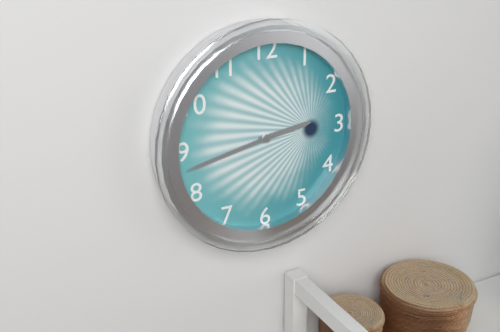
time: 2:43
